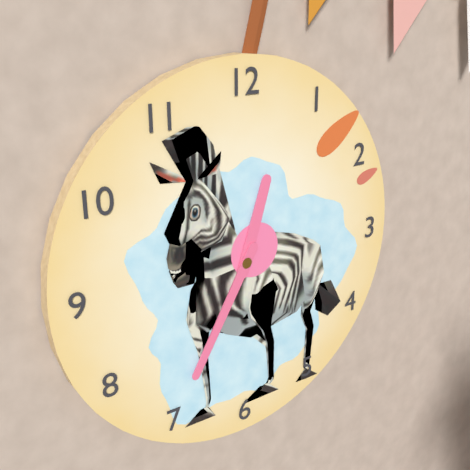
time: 12:35
